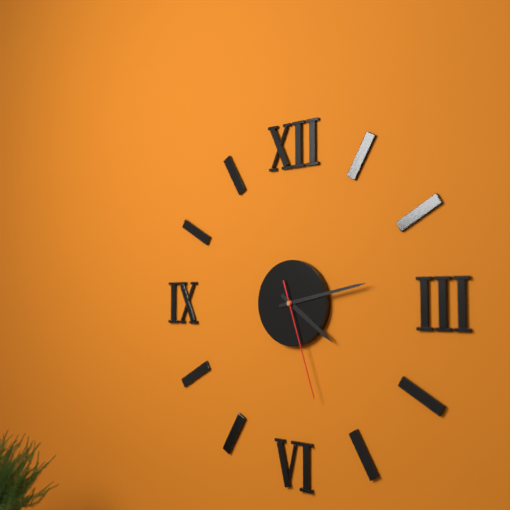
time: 4:13:27
